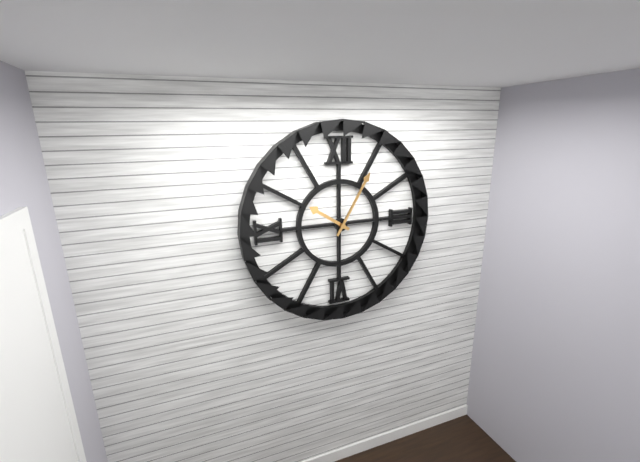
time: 10:05
